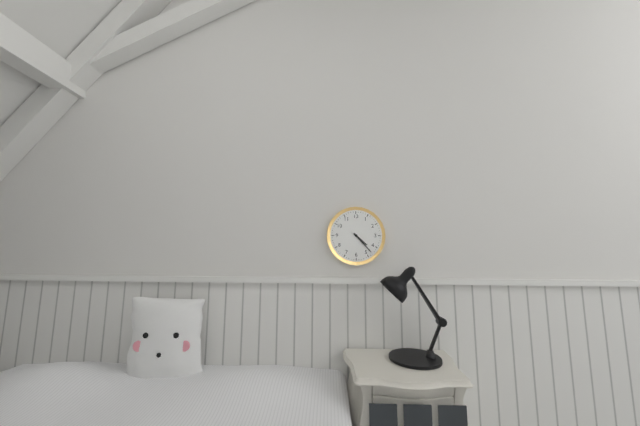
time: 4:23
